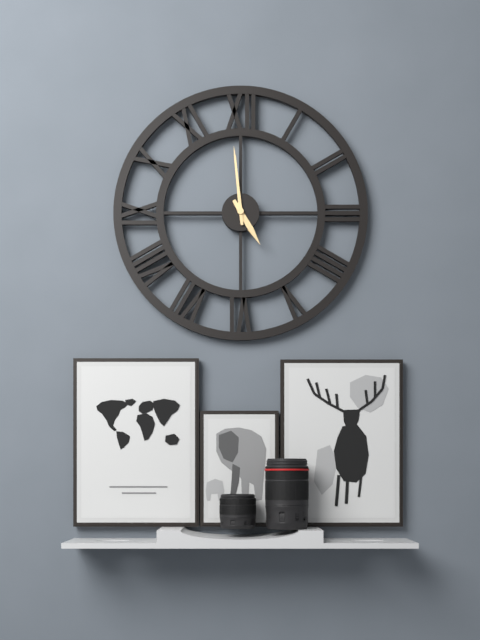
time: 4:59
